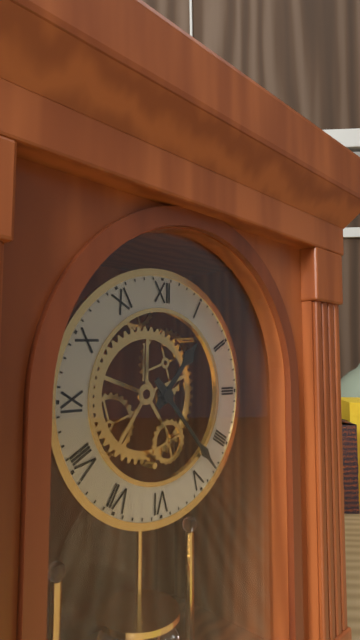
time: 1:23
